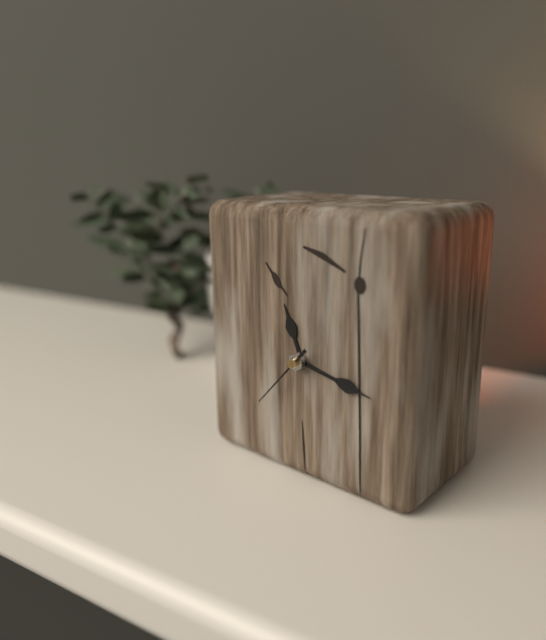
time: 11:17:37
